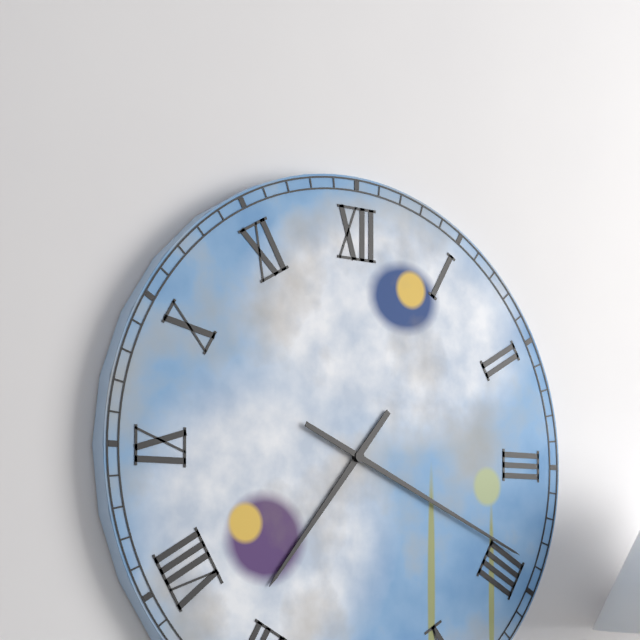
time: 7:19
